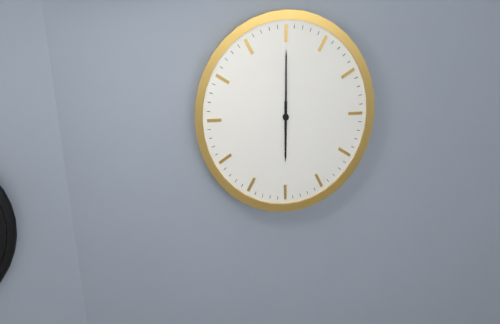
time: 6:00
